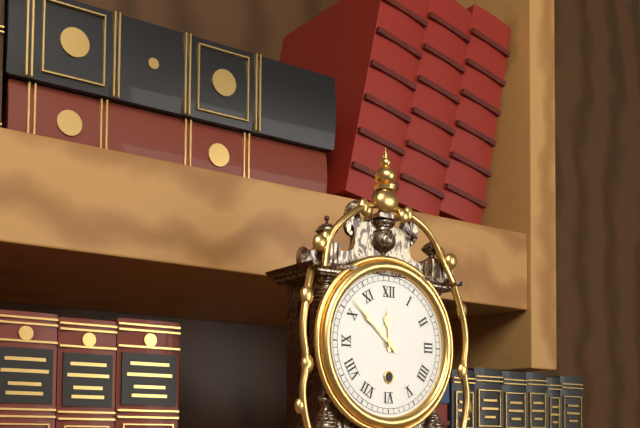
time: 11:52
